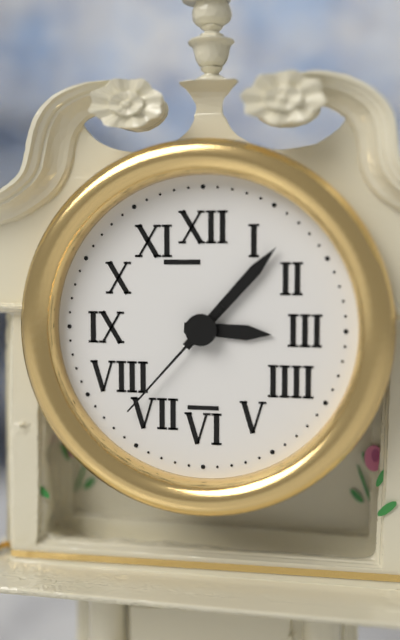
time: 3:07:37
